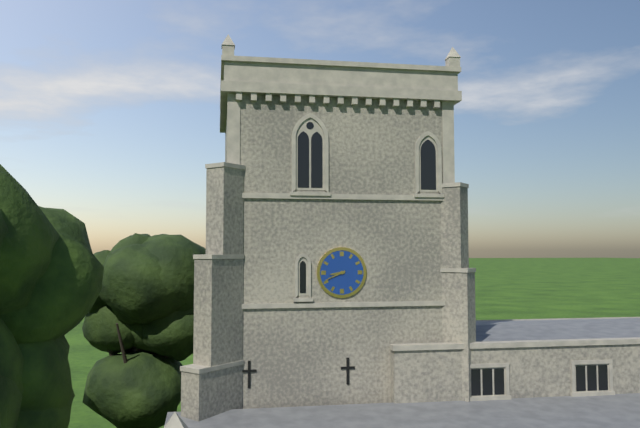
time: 8:41
